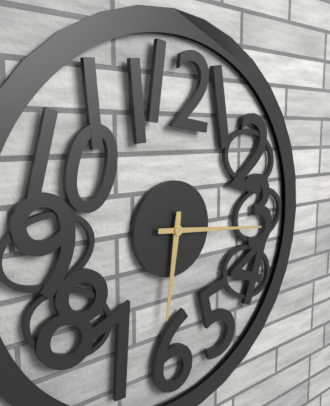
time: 6:16
